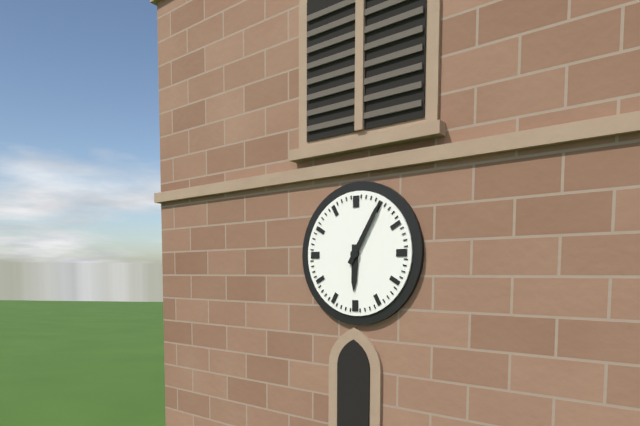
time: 6:05
